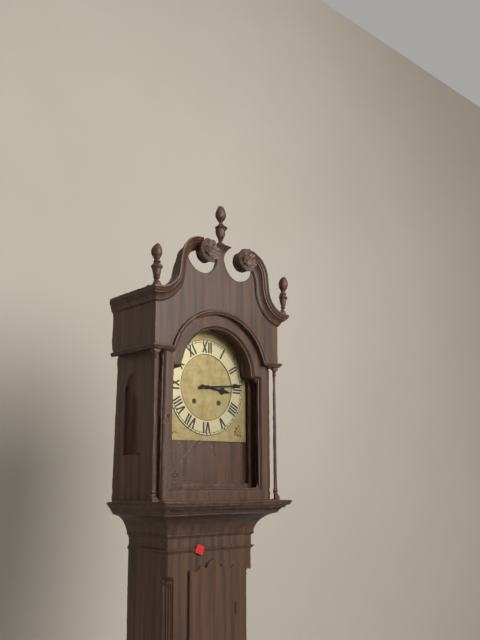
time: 3:14
